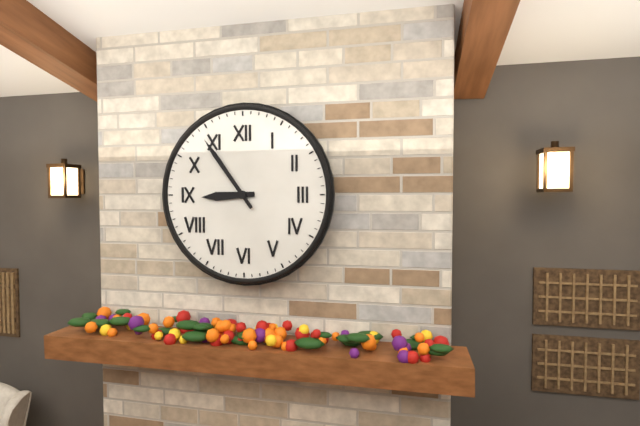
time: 8:54
